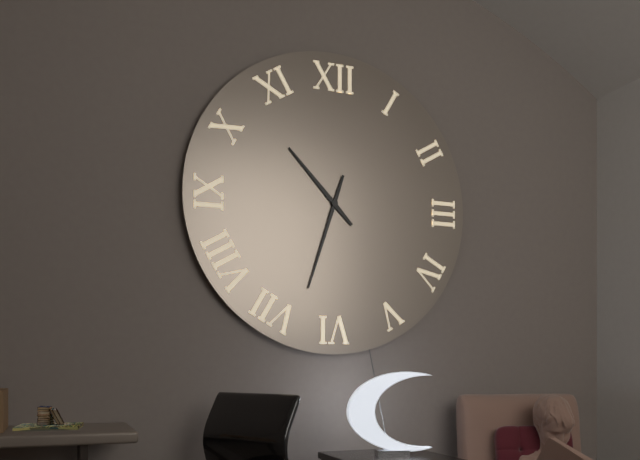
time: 10:33
